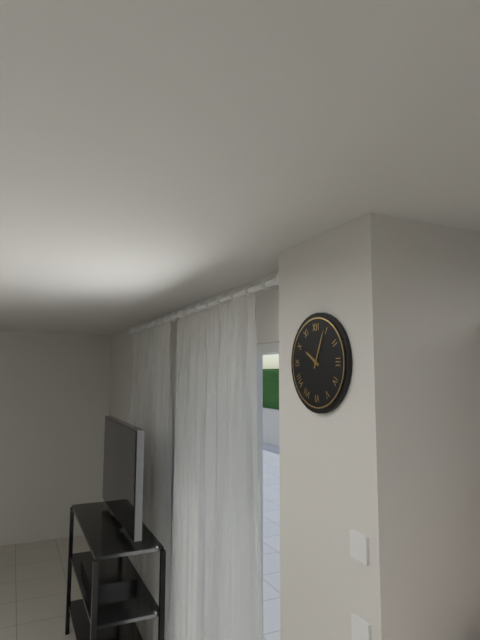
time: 10:04
